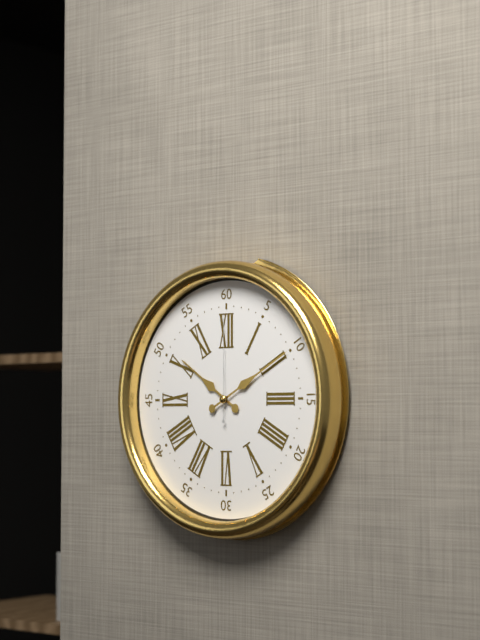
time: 10:10:00
